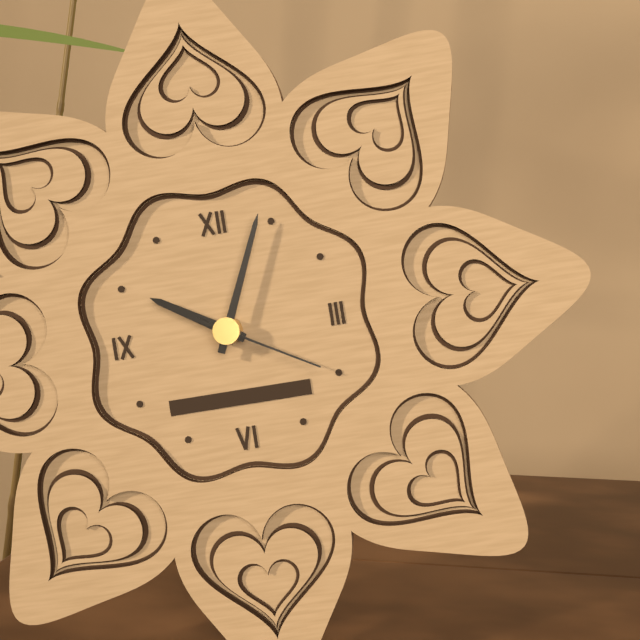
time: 10:04:20
